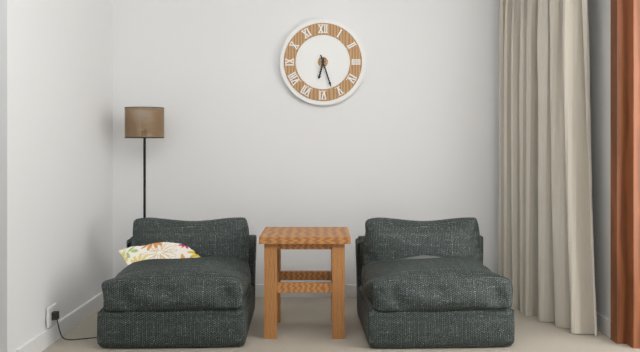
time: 6:27
